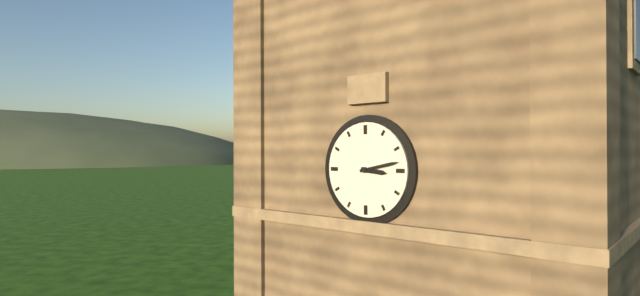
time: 3:13
